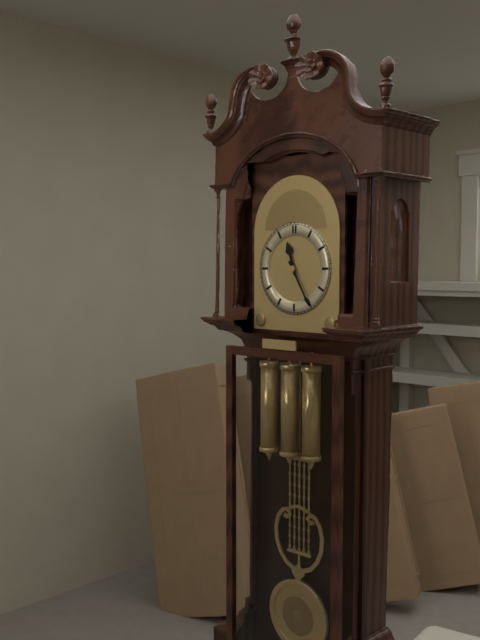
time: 11:25
